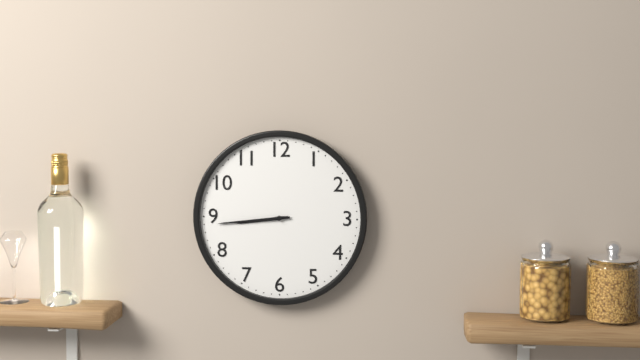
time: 8:44
